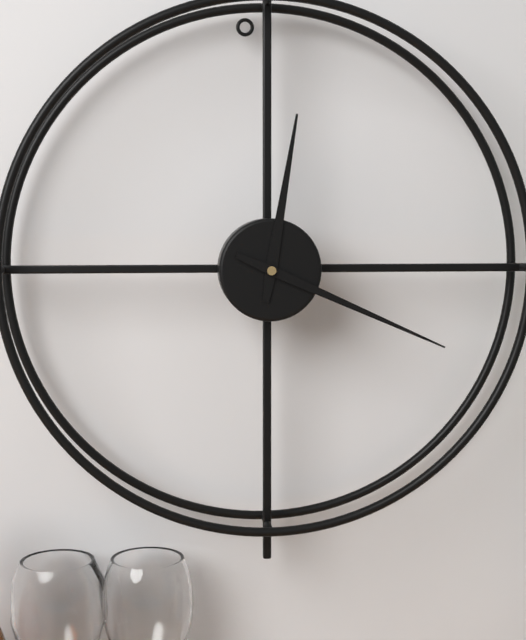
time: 12:19
